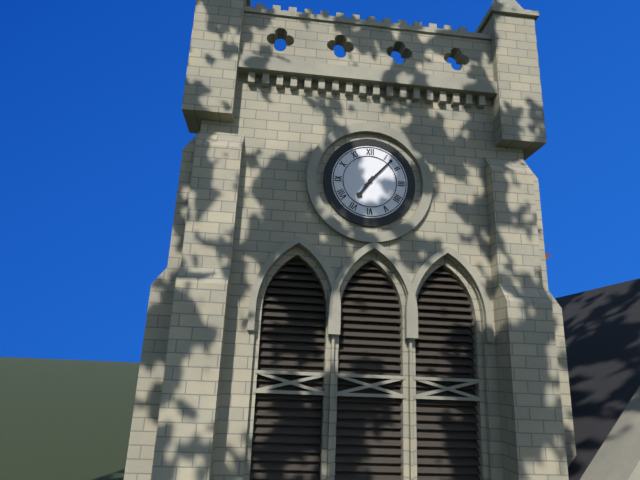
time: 7:07
